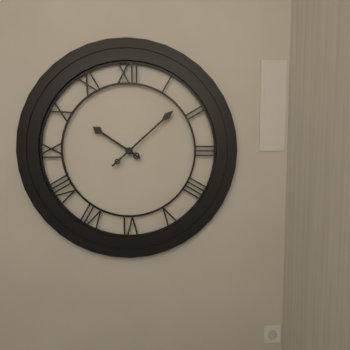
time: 10:08
